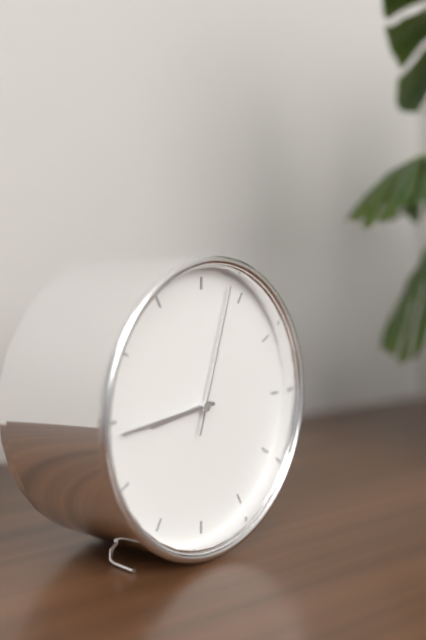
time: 8:44:03
